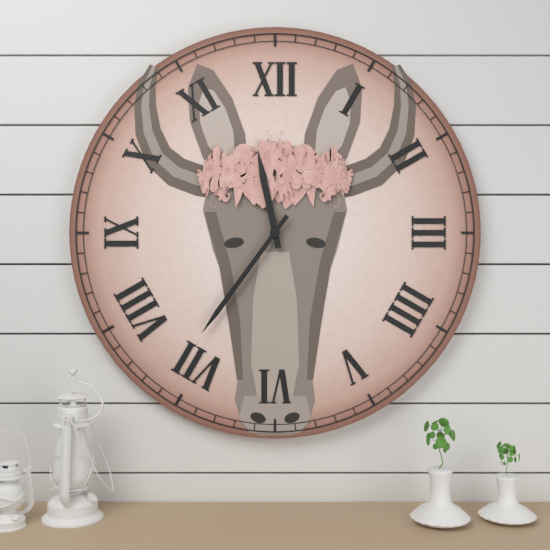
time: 11:36
